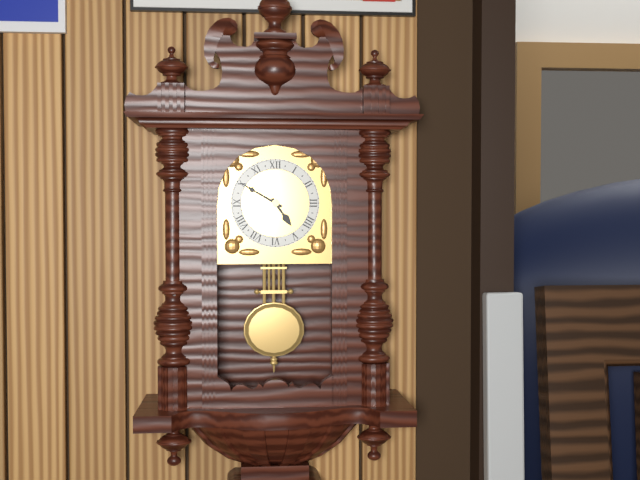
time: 4:50
